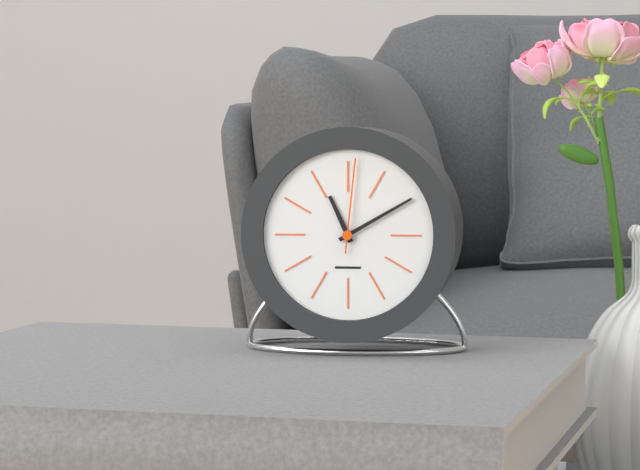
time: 11:10:01
